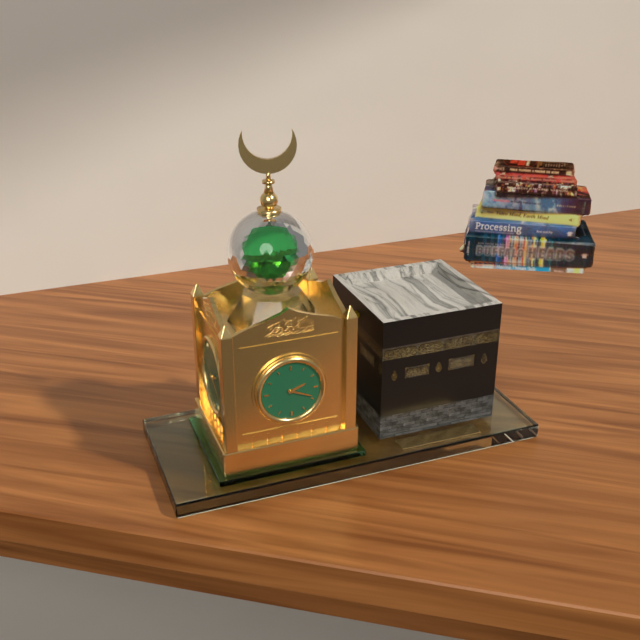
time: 2:19
